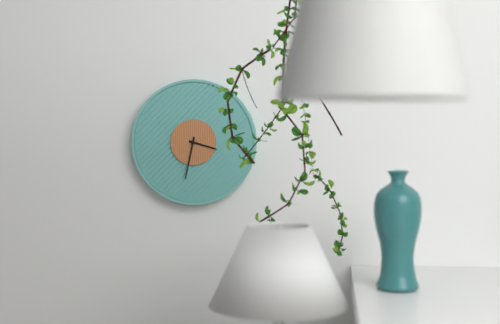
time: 3:32
